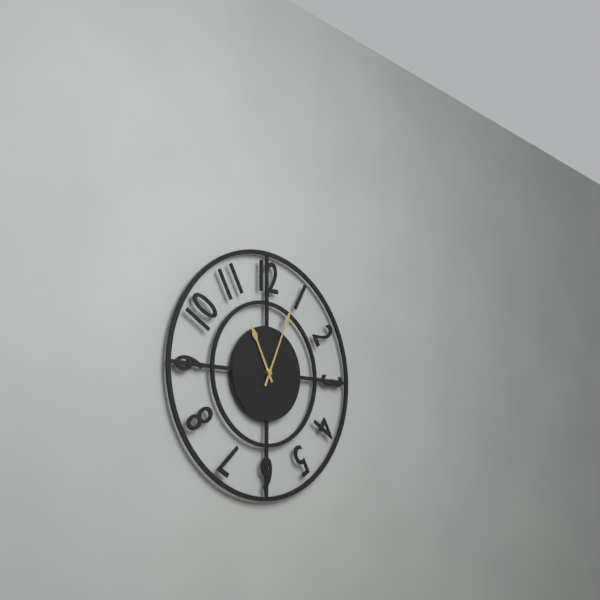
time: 11:04
